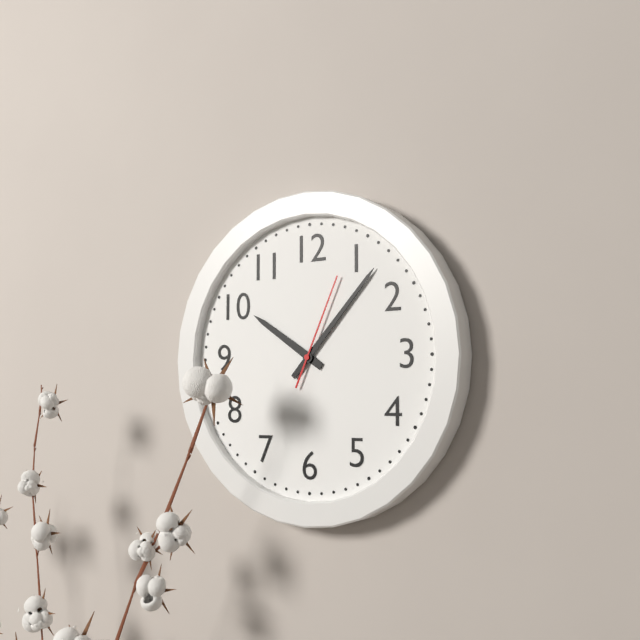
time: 10:07:04
